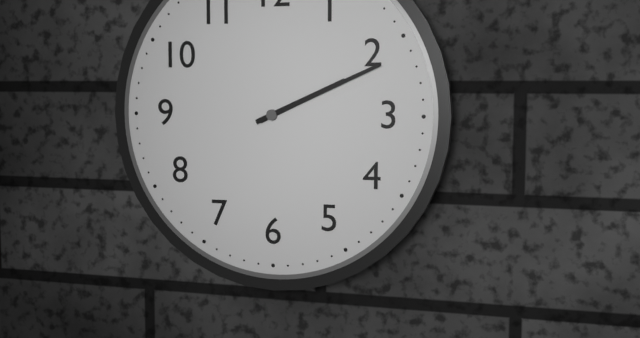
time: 2:11
